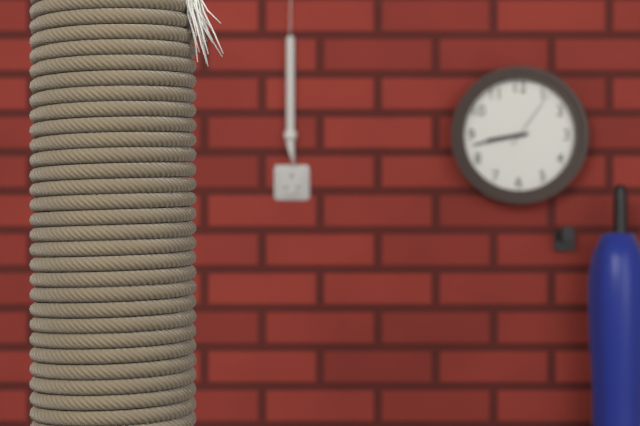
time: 8:43:06
